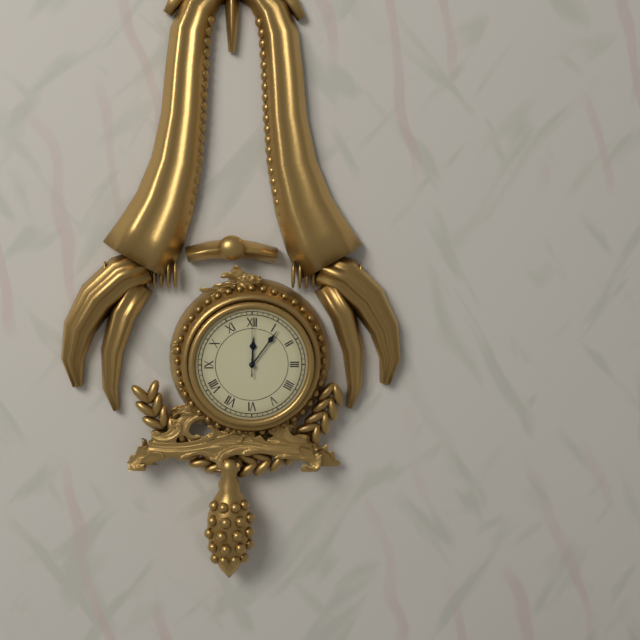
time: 12:06:00
